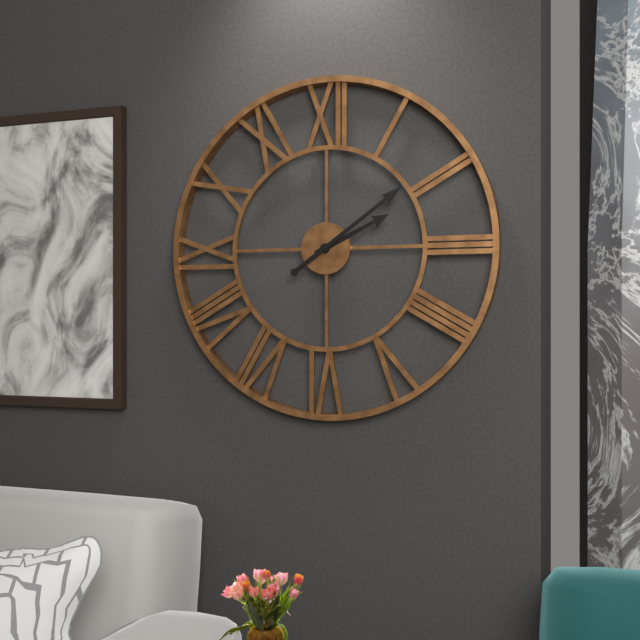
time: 2:09
